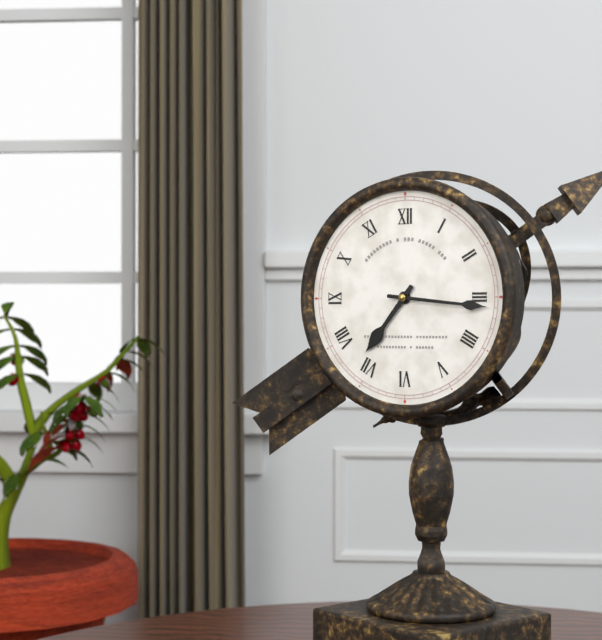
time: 7:16
